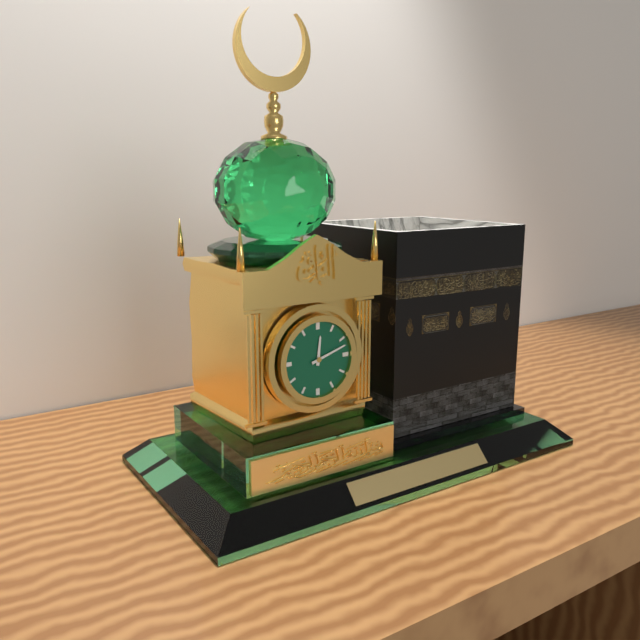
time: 12:12
